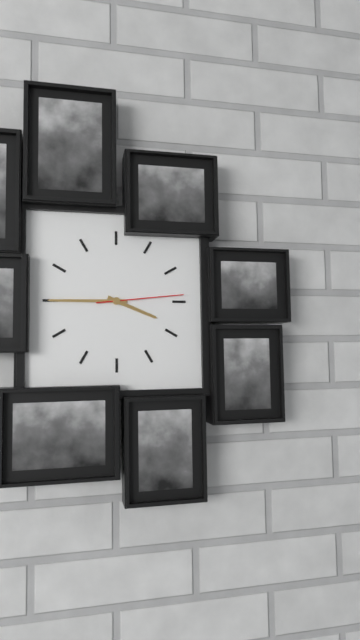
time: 3:45:14
